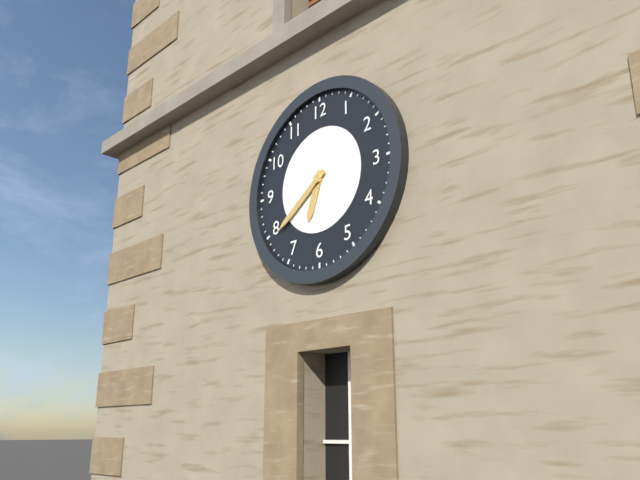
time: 6:39
